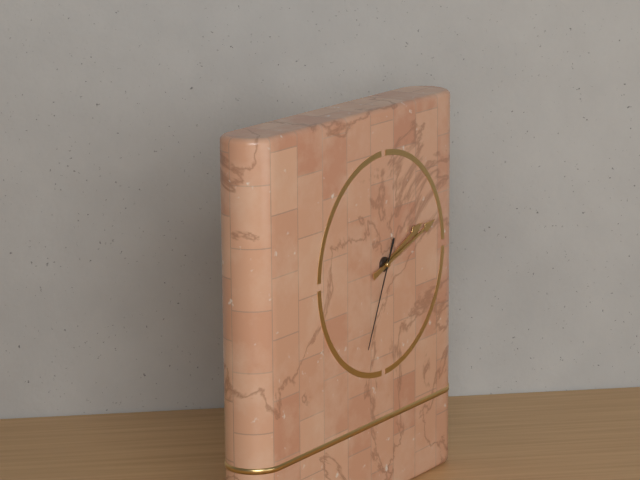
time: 2:12:34
